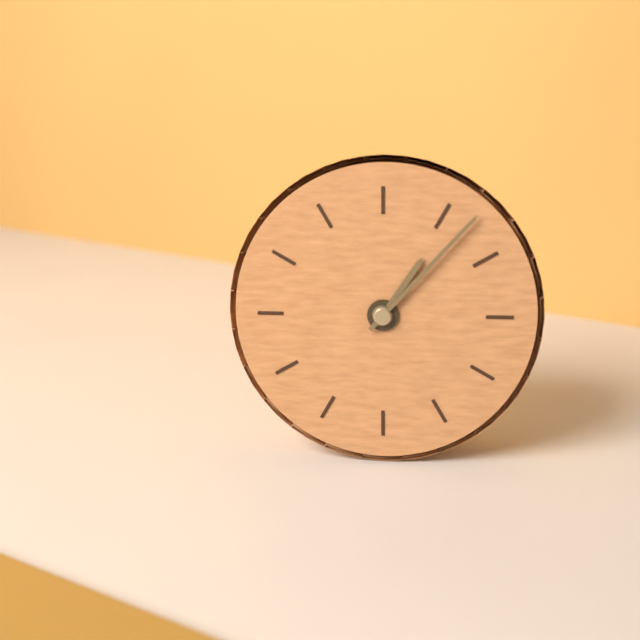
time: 1:07
